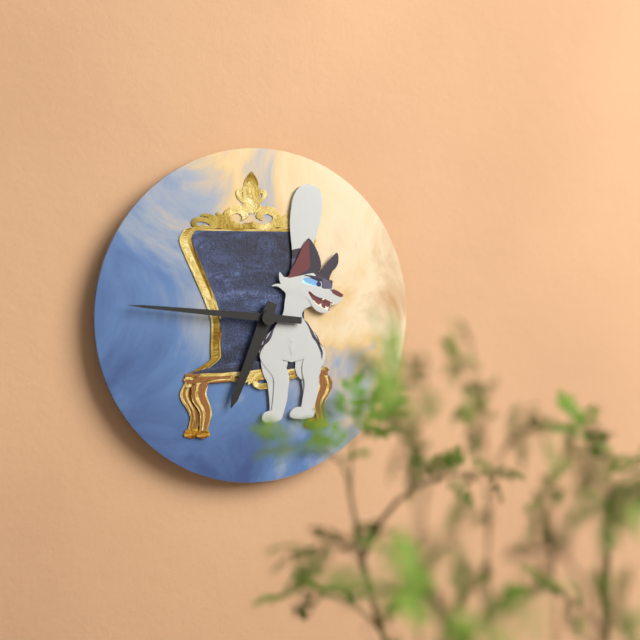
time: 6:46
